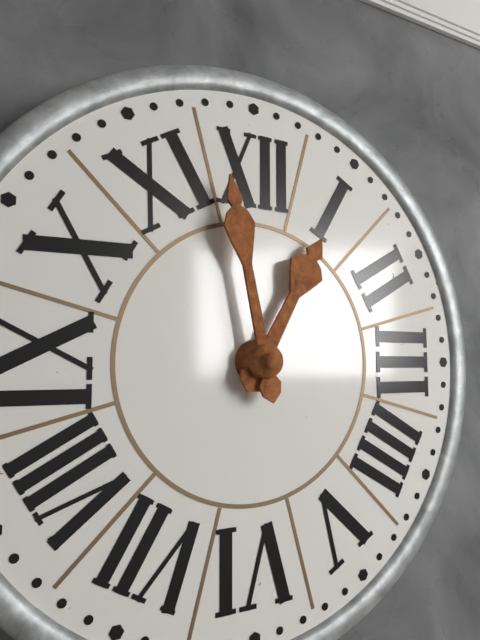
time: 12:58
